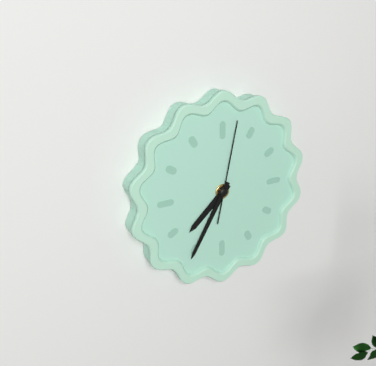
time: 7:35:02
